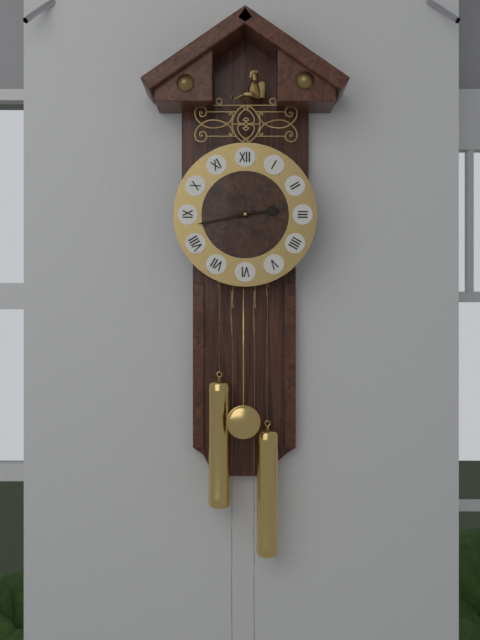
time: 2:43
